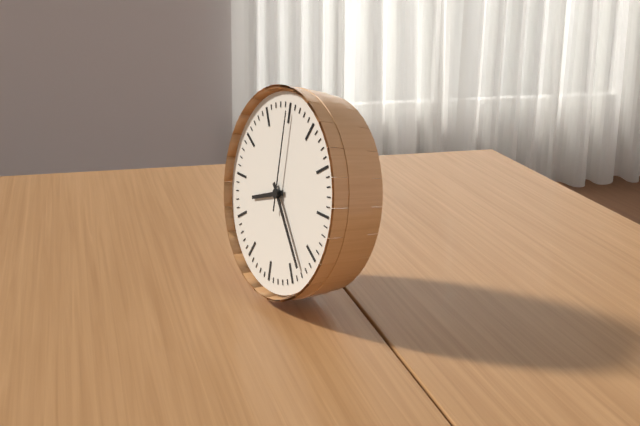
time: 8:23:00
